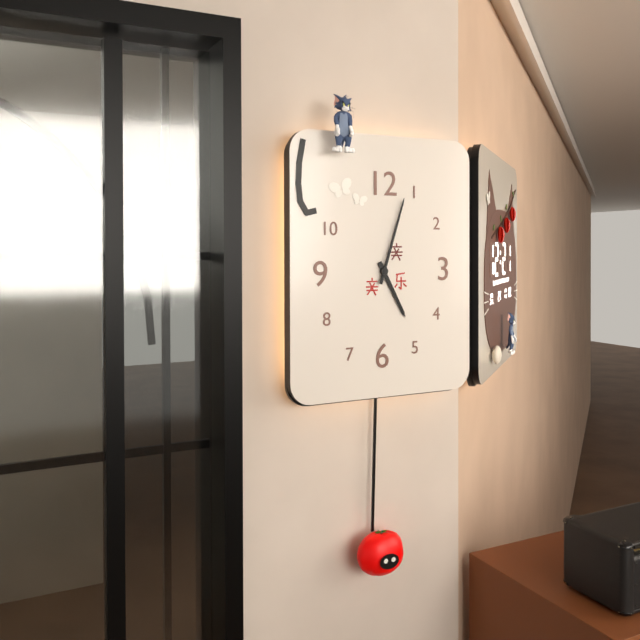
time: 5:03
